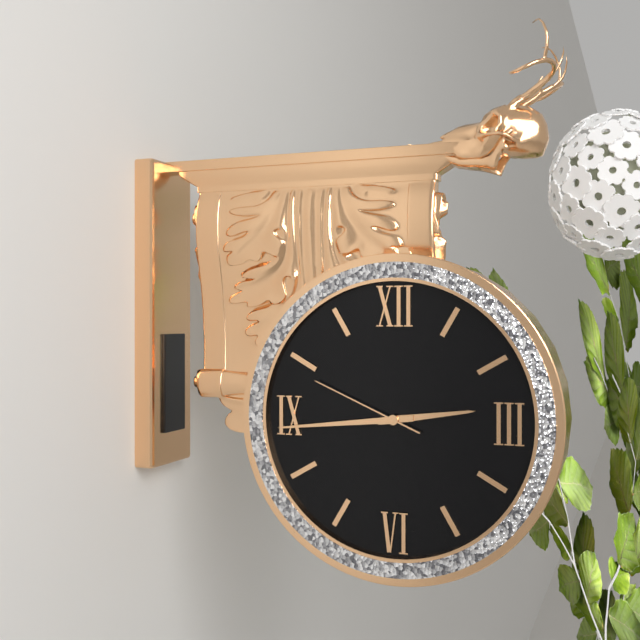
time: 2:44:49
